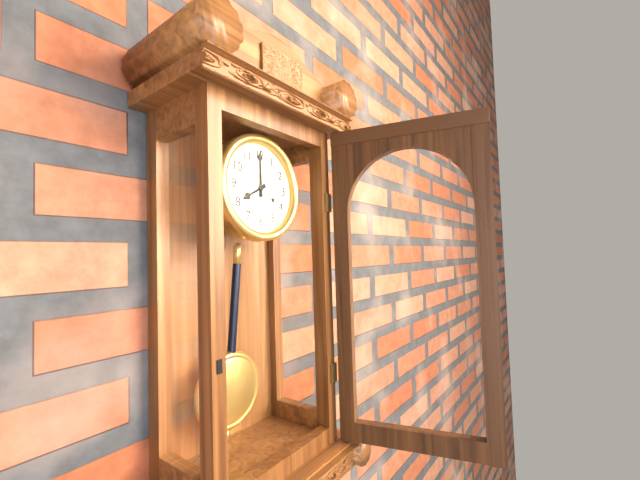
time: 8:00
